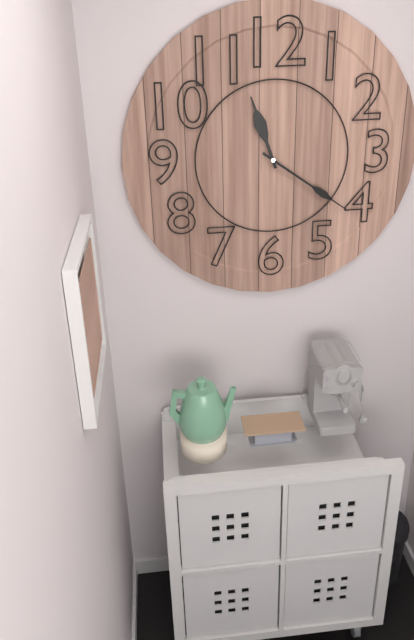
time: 11:21
